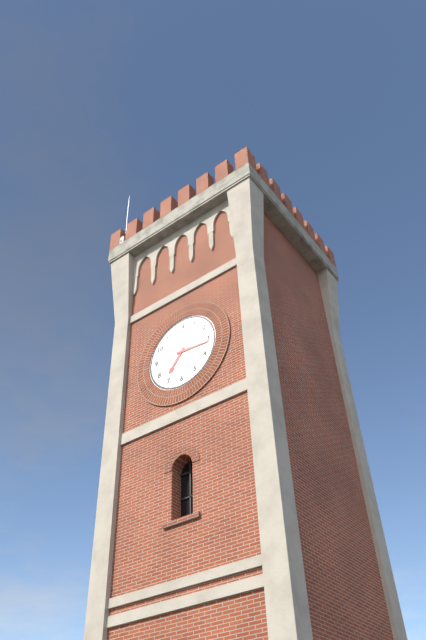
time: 7:16
